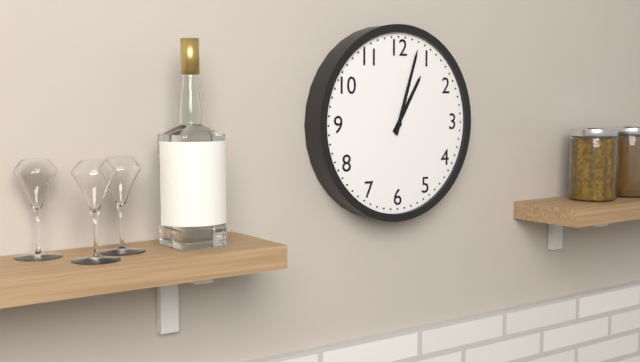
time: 1:03
